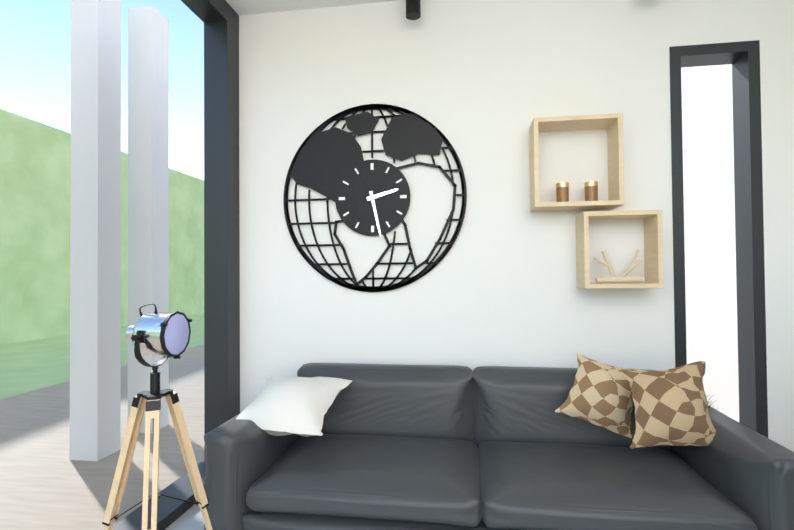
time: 2:28
